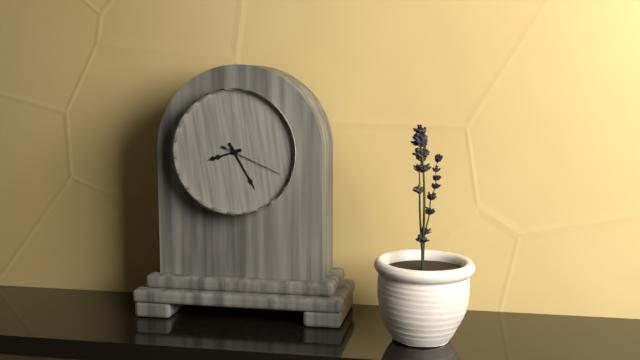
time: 8:25:19
